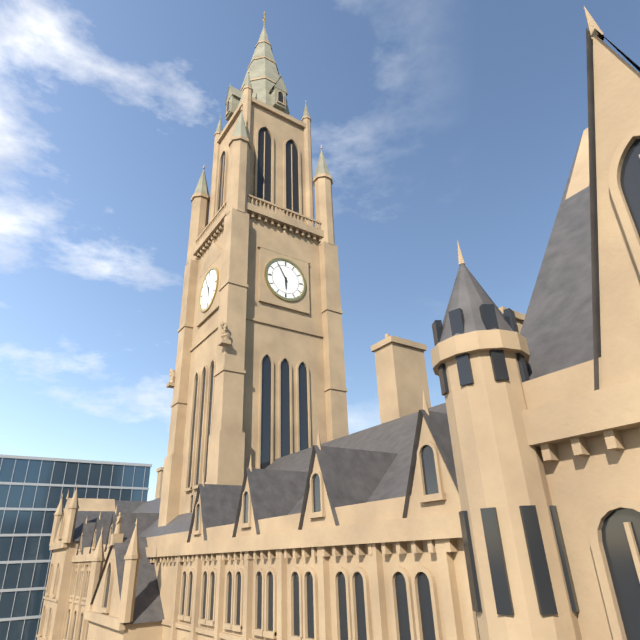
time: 5:55
